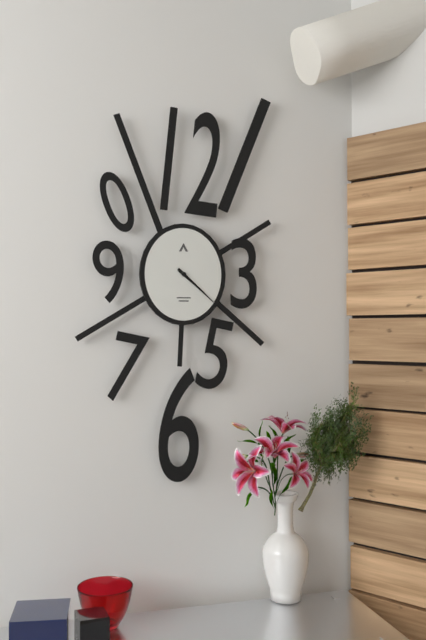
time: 4:22
